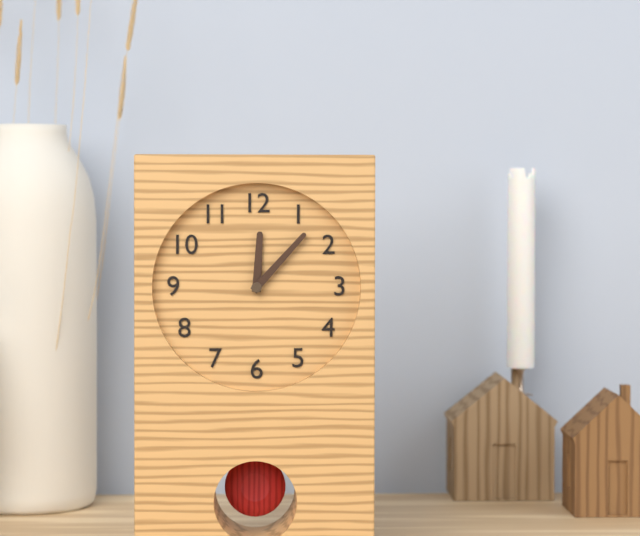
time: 12:07
